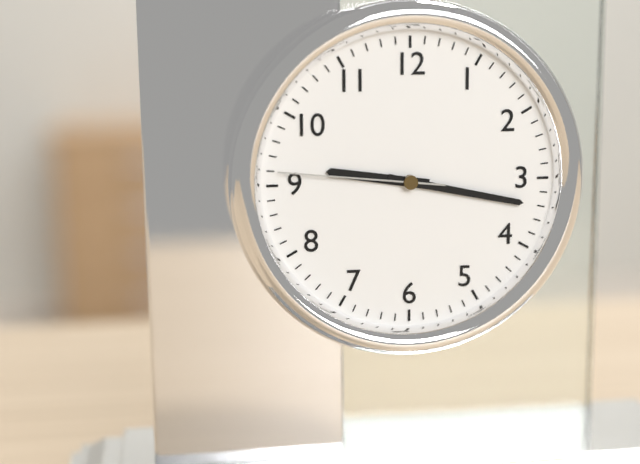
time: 9:17:46
